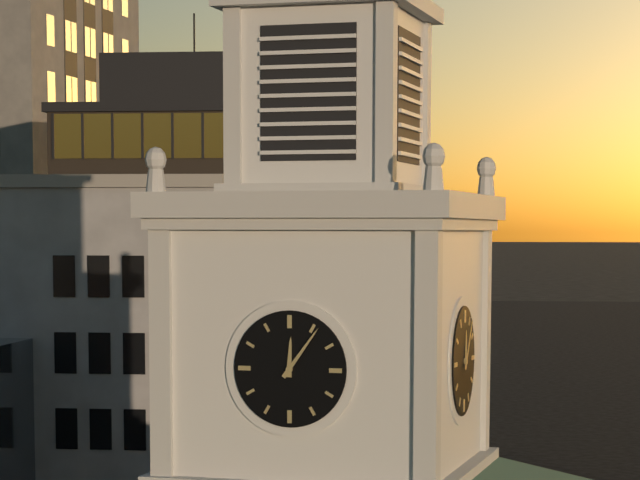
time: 12:06
